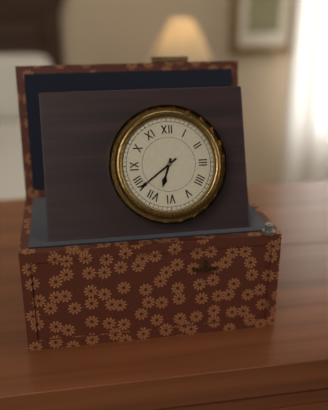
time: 6:39
